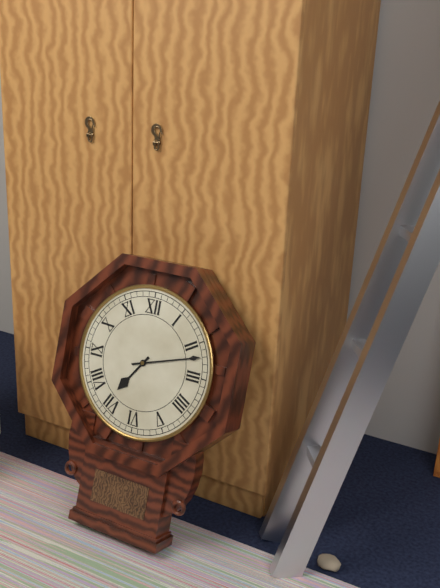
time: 7:12
